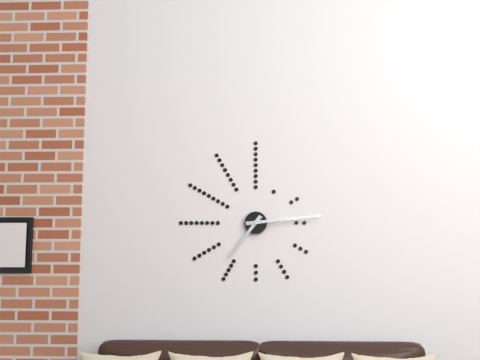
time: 7:14
